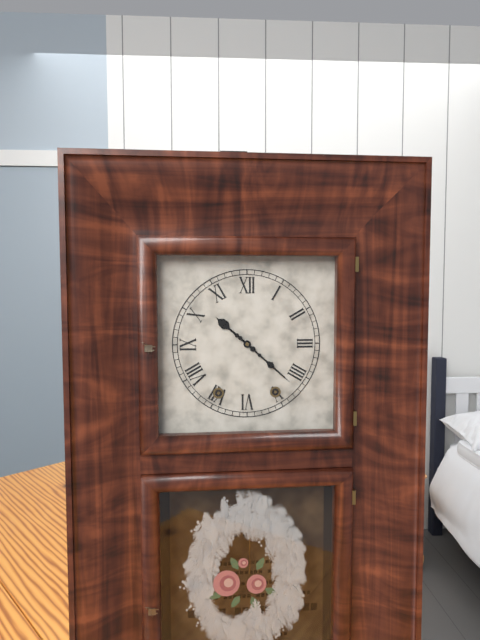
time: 10:22
